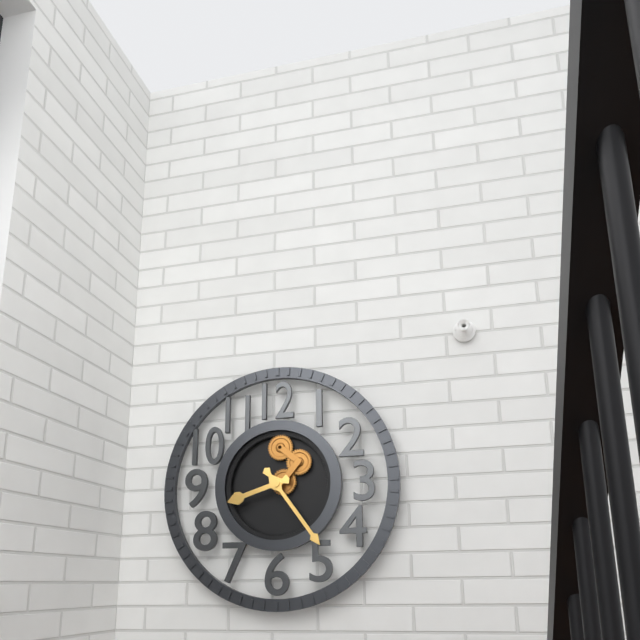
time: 8:24
